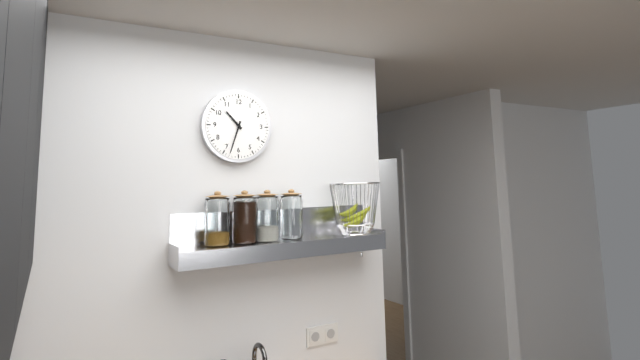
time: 10:33
